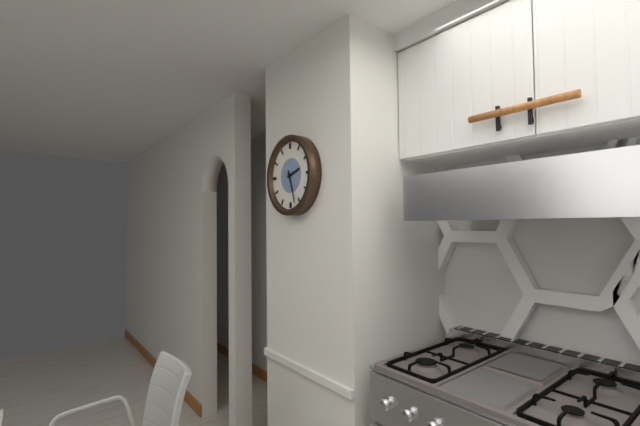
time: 2:27
